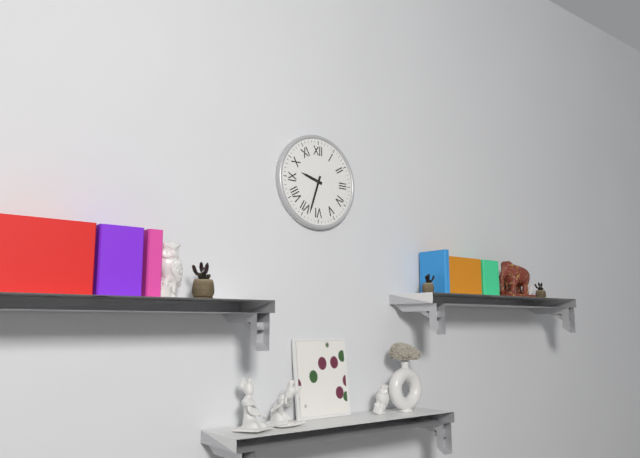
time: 9:33
